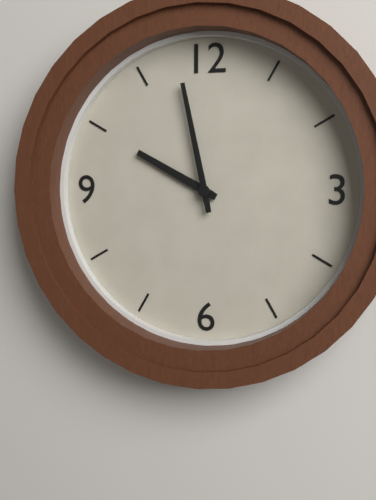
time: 9:58
